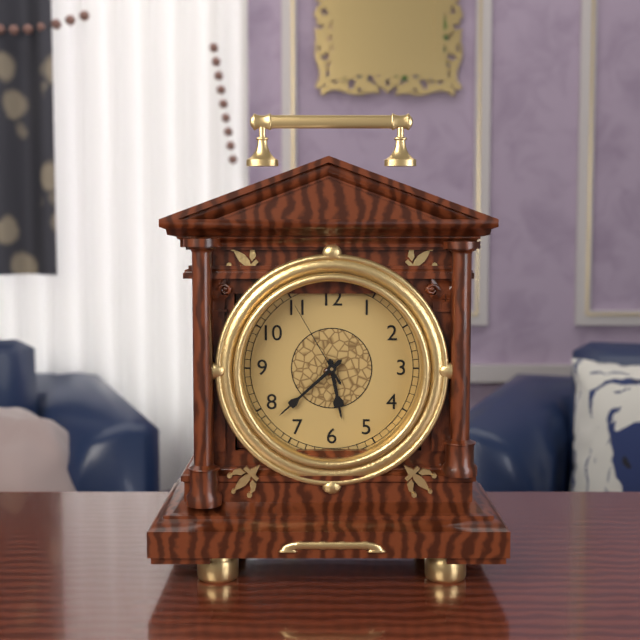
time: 5:38:55
